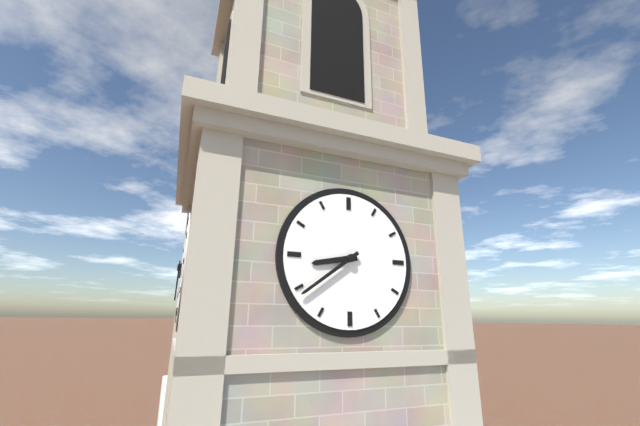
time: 8:39
